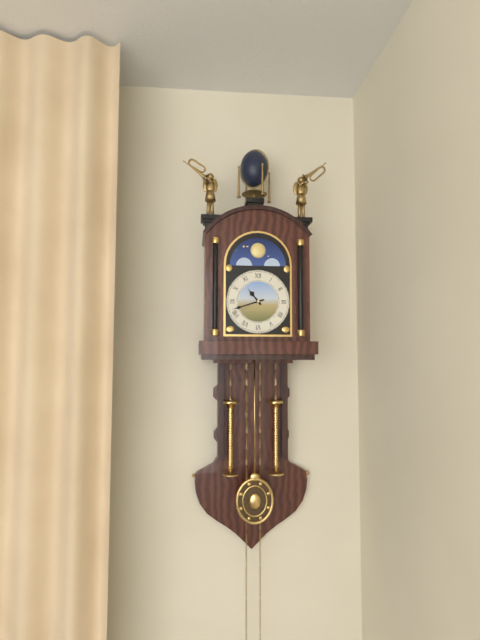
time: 10:42
